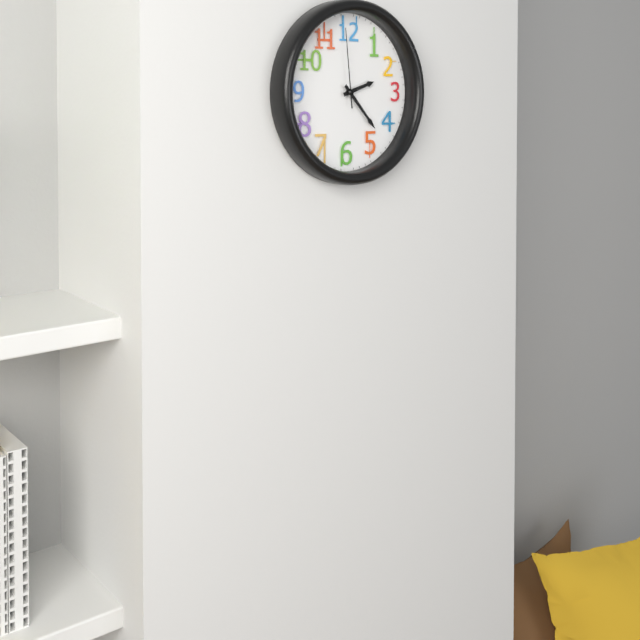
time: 2:23:59
